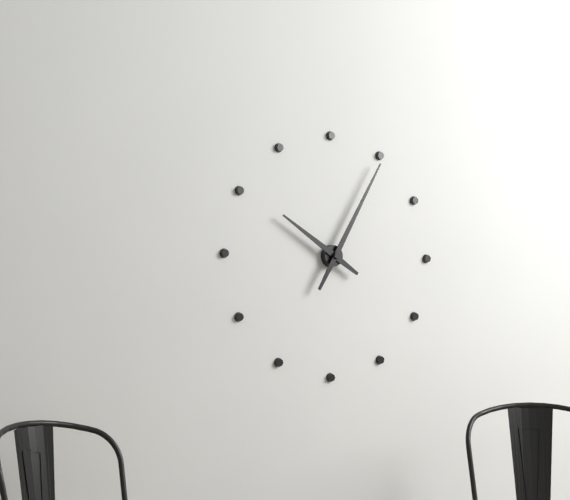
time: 10:05
